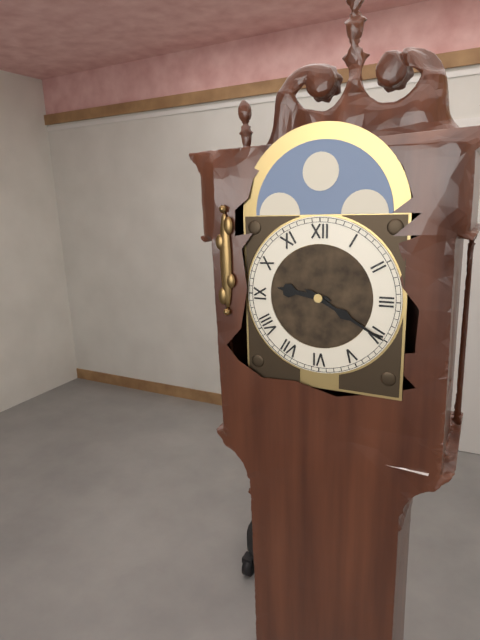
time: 9:20
